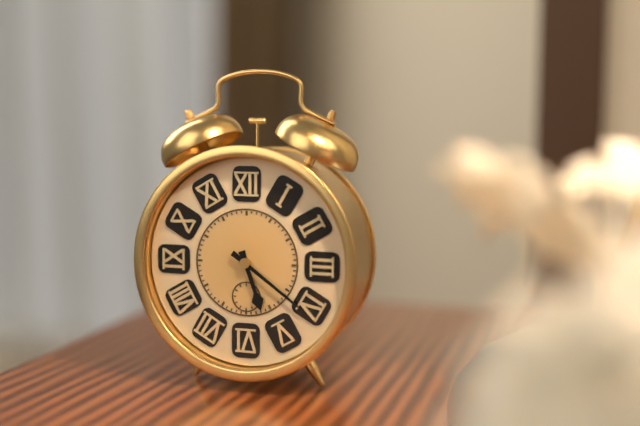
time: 5:21
